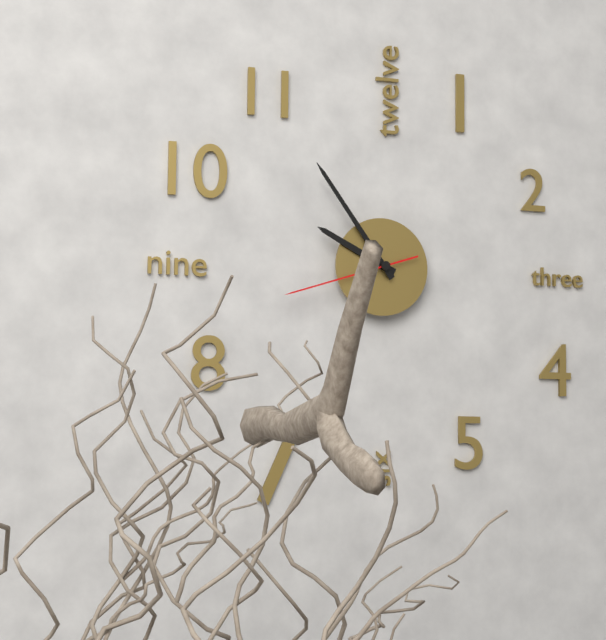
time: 9:54:42
